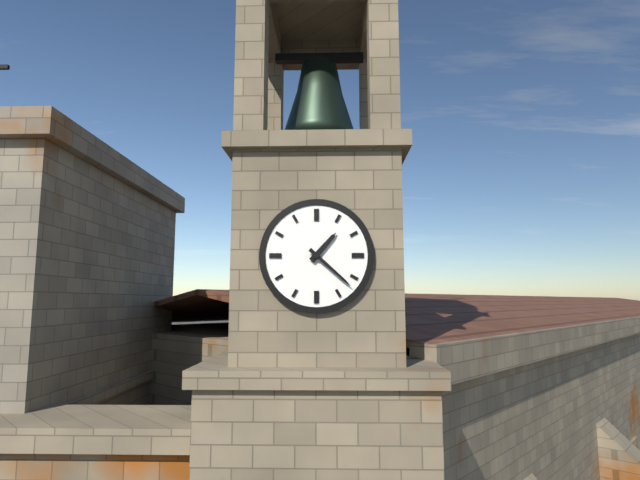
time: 1:22
